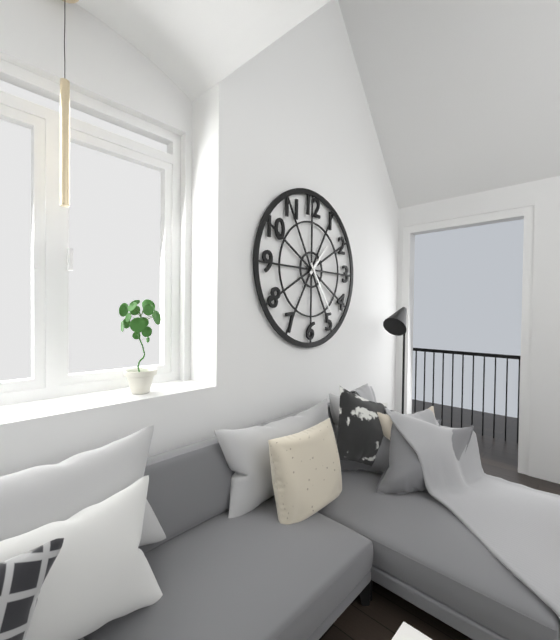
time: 1:24
